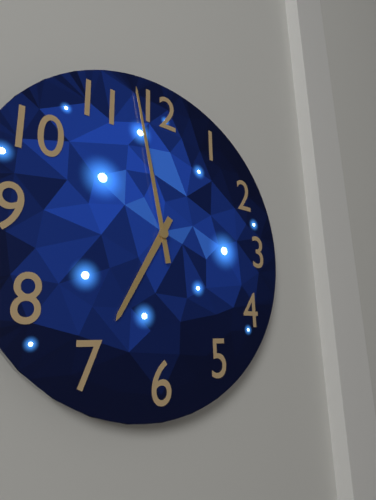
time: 6:58
